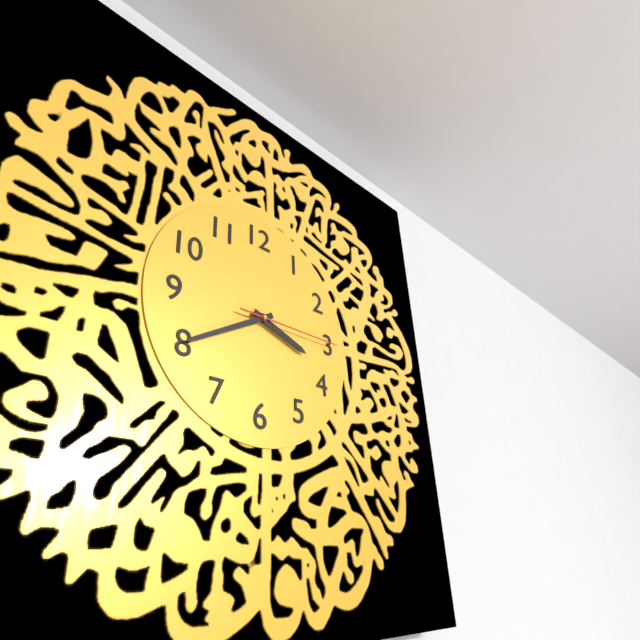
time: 3:40:15
